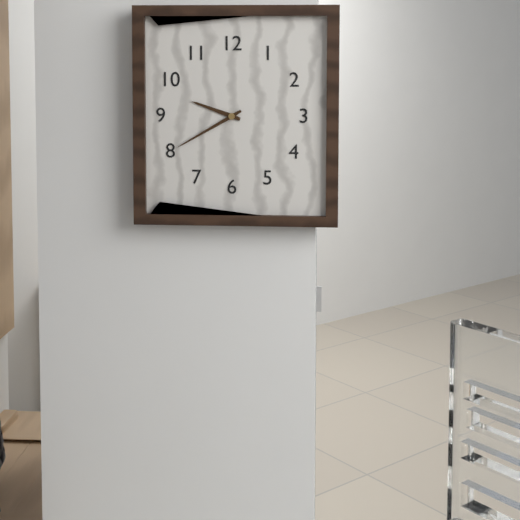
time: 9:40
